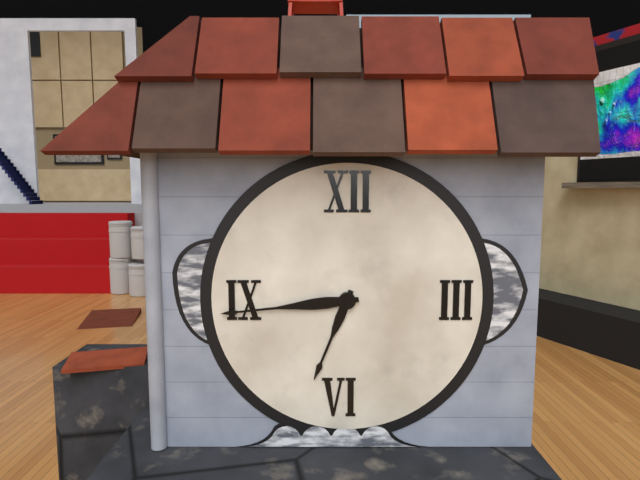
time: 6:44
